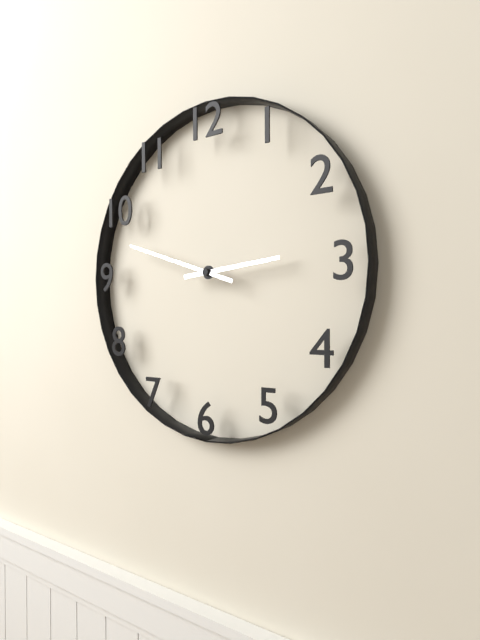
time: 2:48
